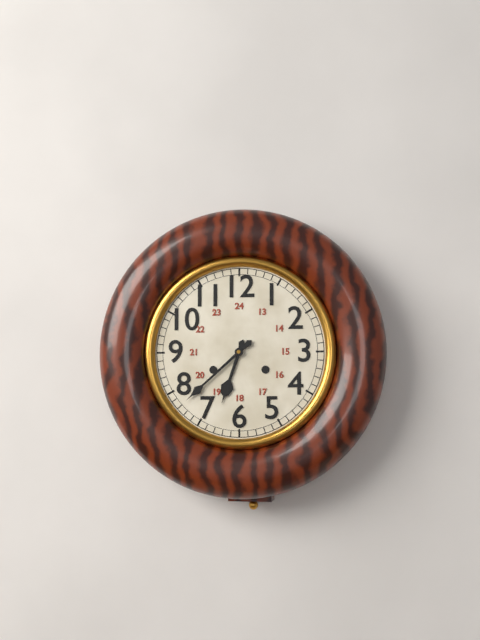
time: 6:38
